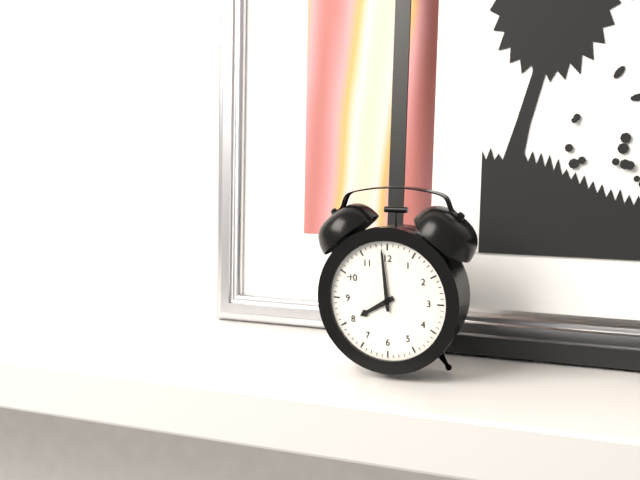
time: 7:59
